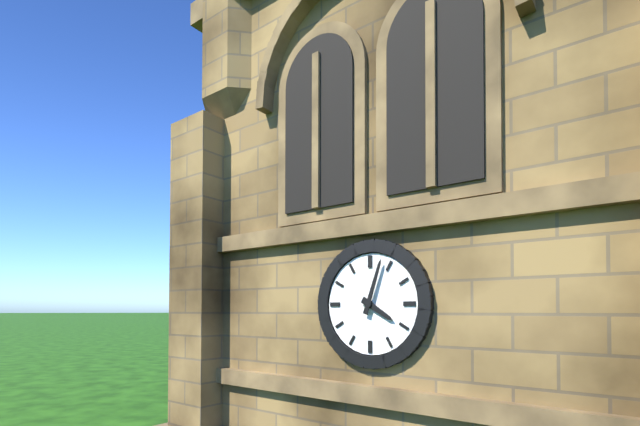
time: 4:03
